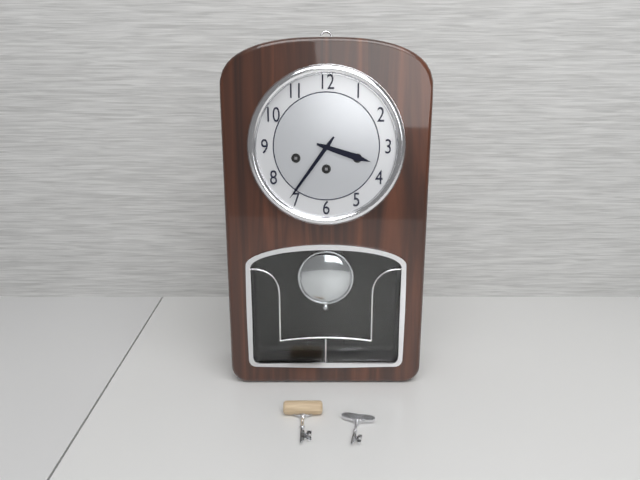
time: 3:36
